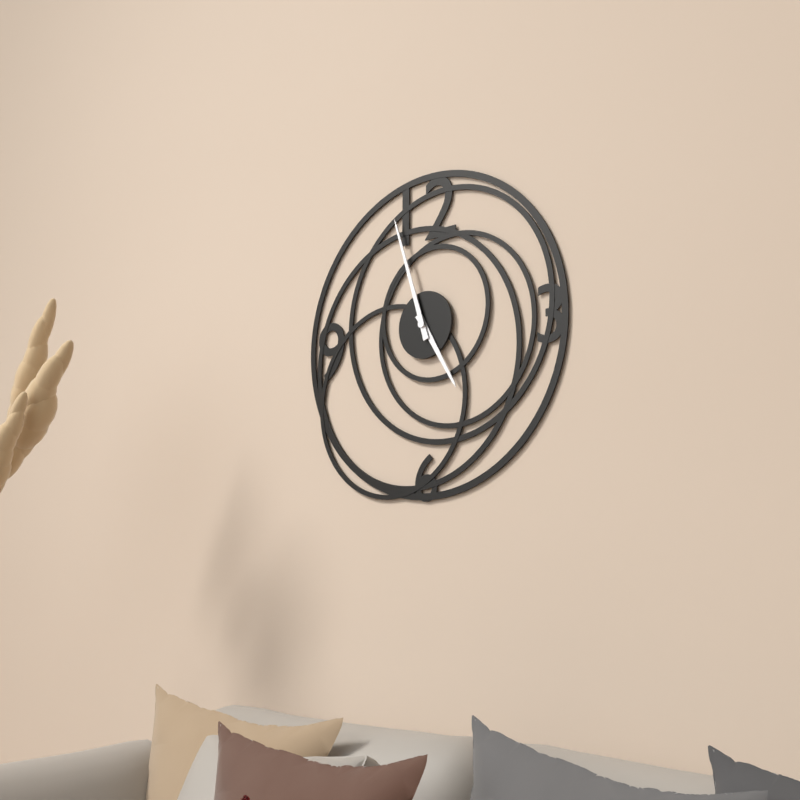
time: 4:57
